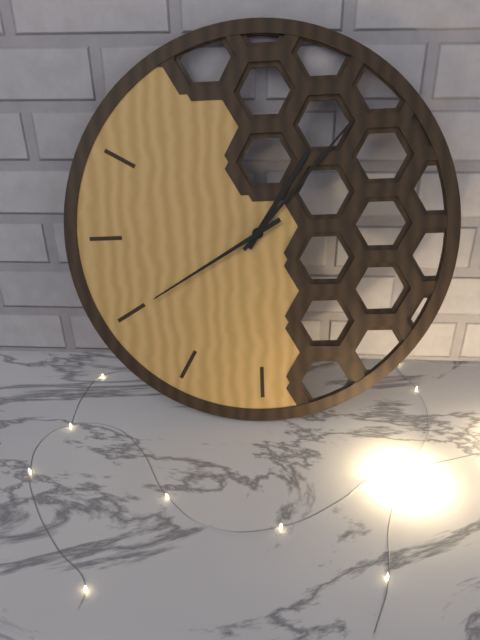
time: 1:07:40
